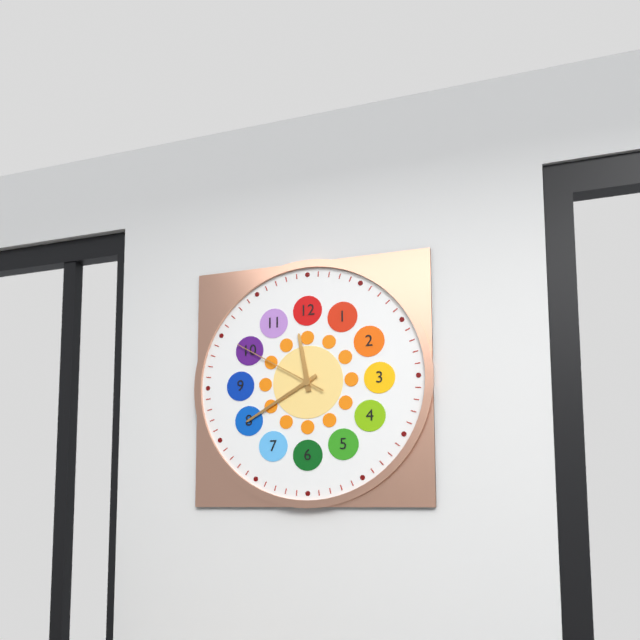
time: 11:40:50
